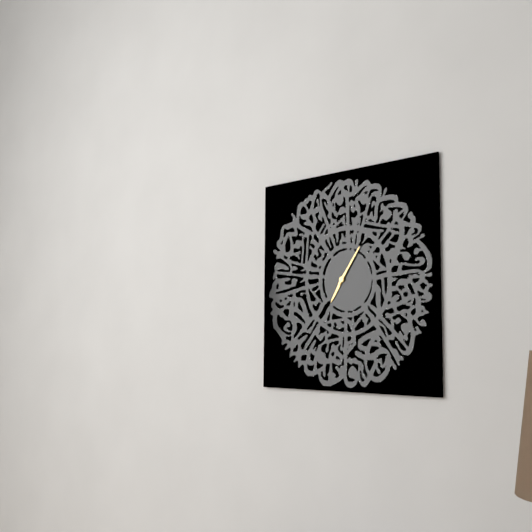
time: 7:06
